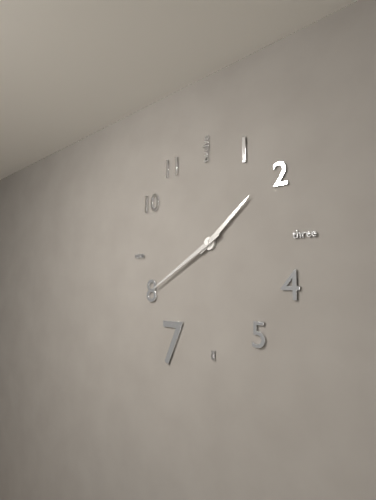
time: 1:40
